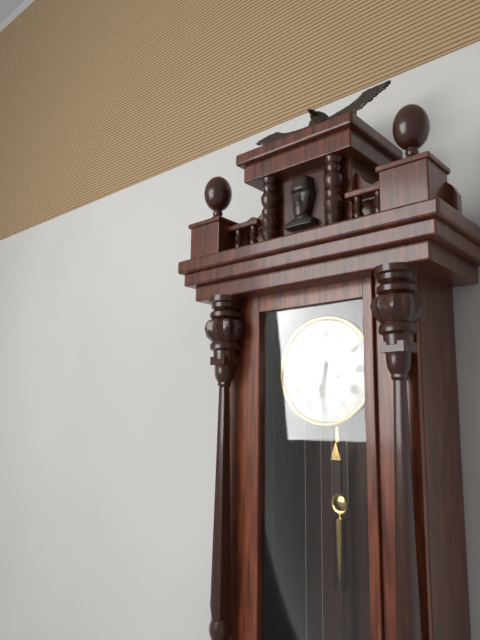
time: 6:31
